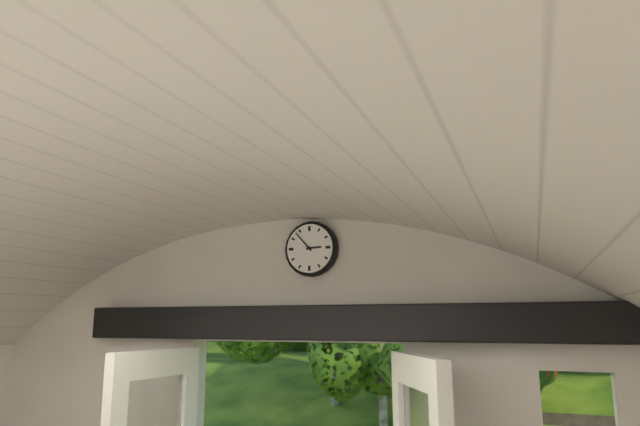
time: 2:53
